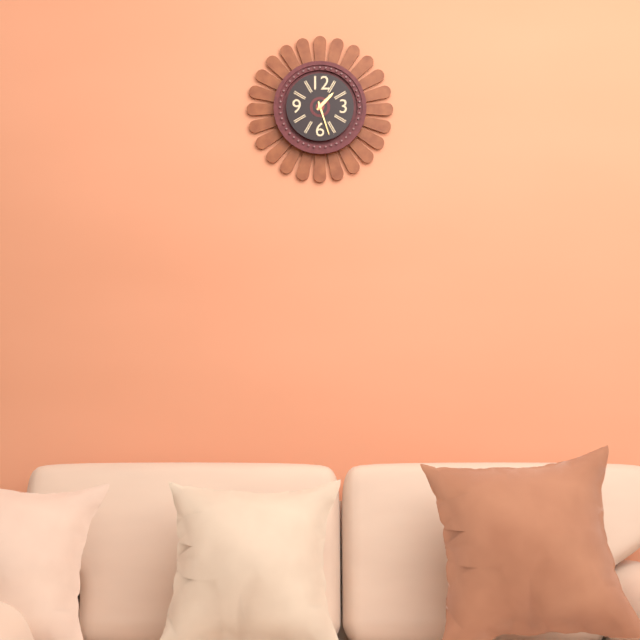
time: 1:27
